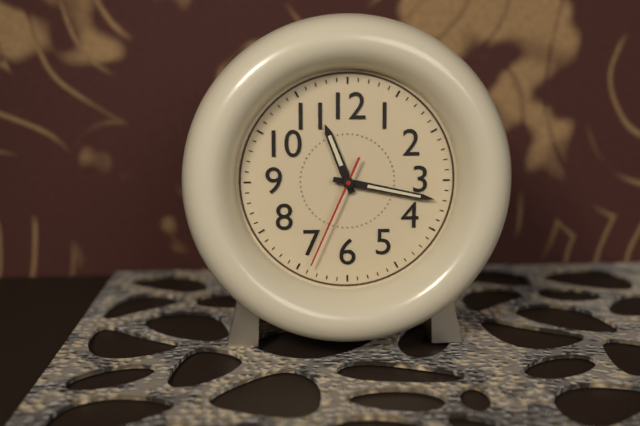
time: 11:17:34
